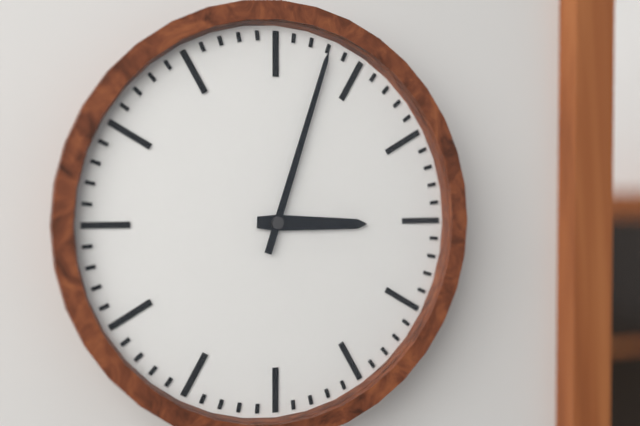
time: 3:03
